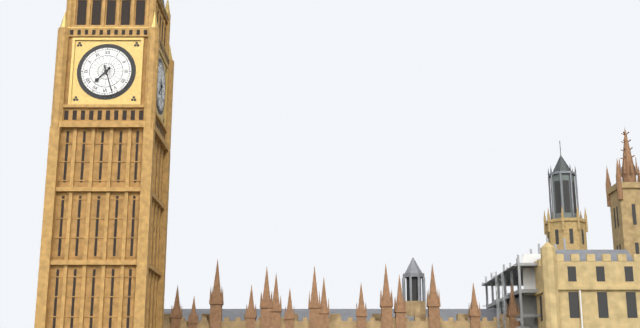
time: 7:27
